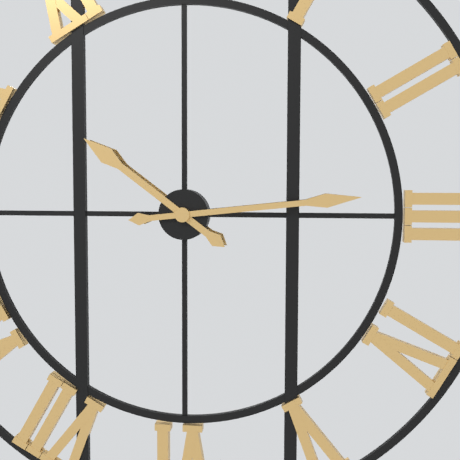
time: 10:14
